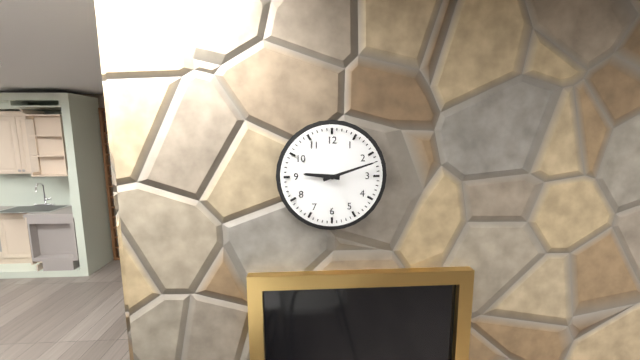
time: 9:12
